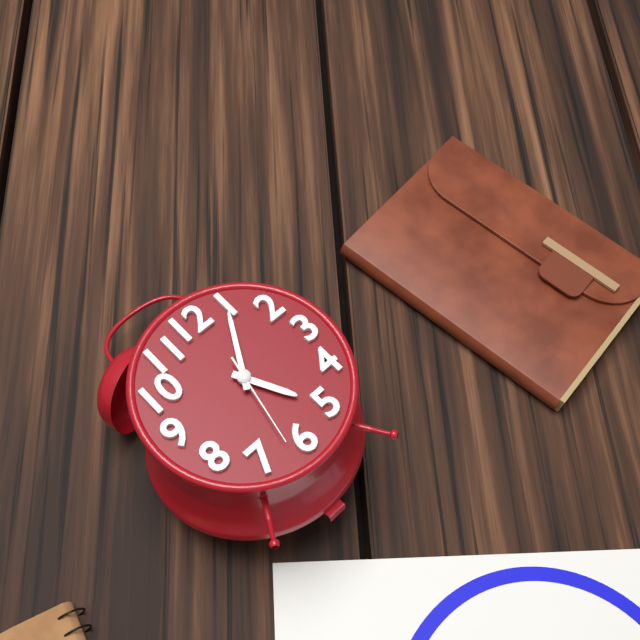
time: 5:05:32
